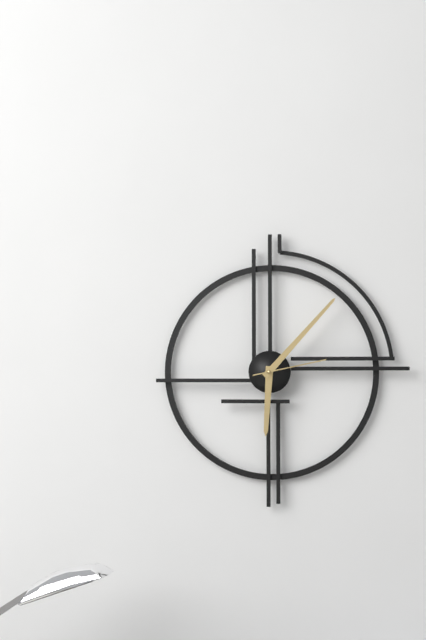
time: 6:07:13
